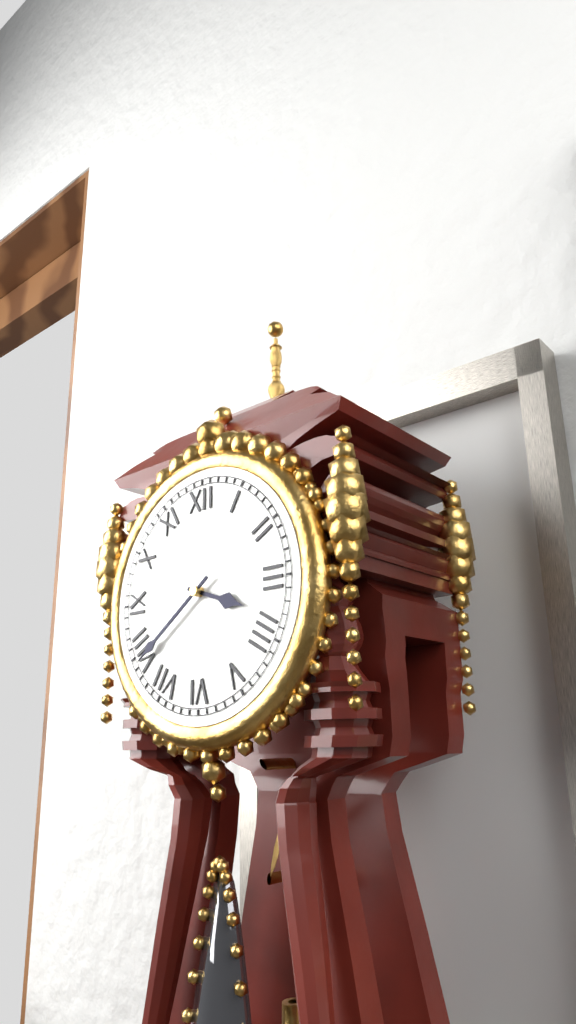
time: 3:39
